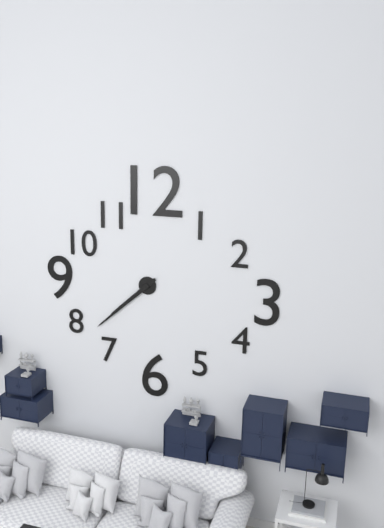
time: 7:38
